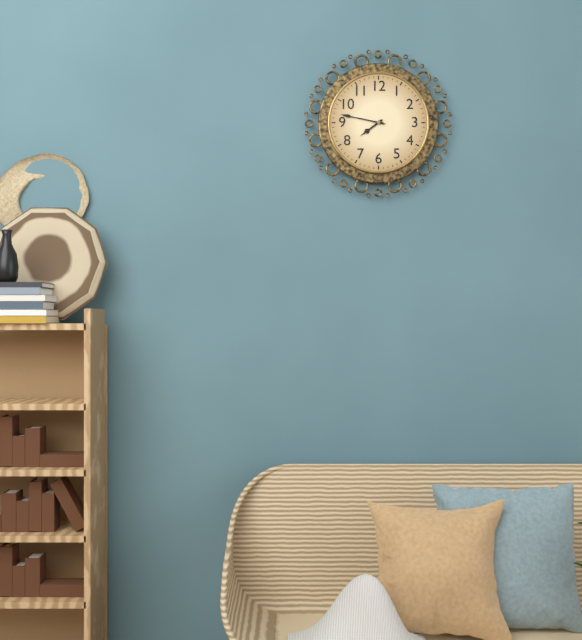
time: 7:47
